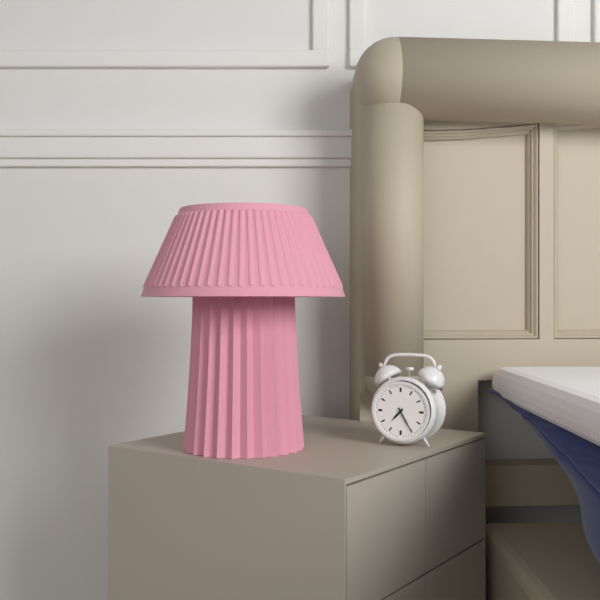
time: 7:25
